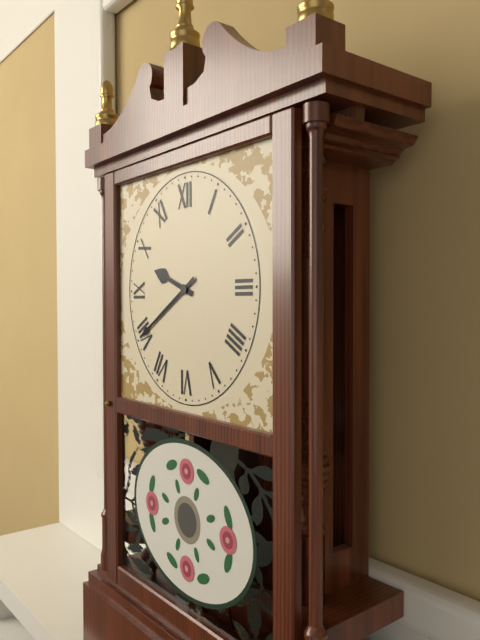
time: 9:40
